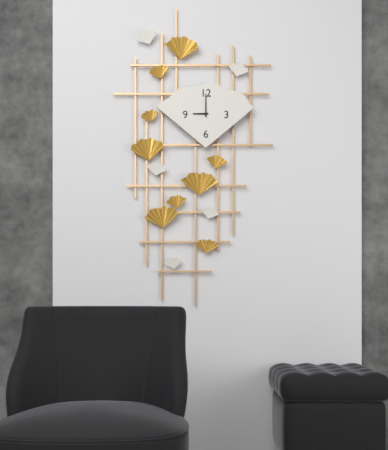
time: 9:00
